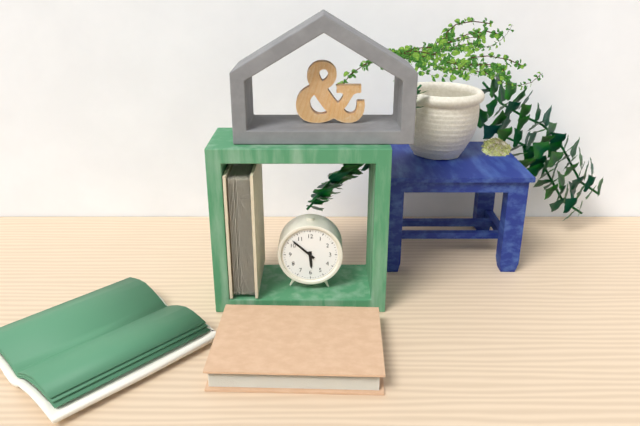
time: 5:52
